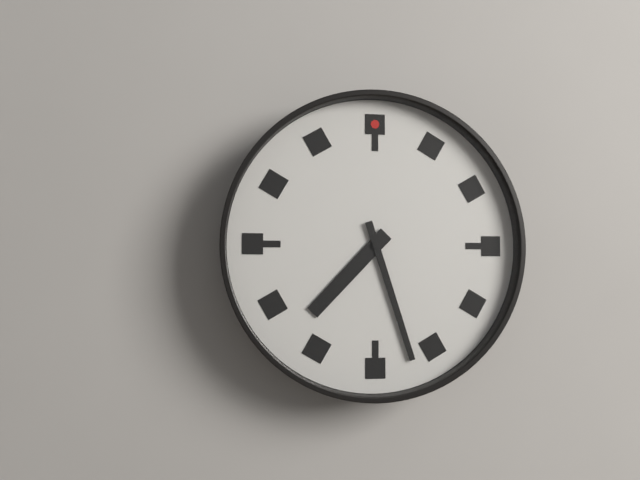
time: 7:27
